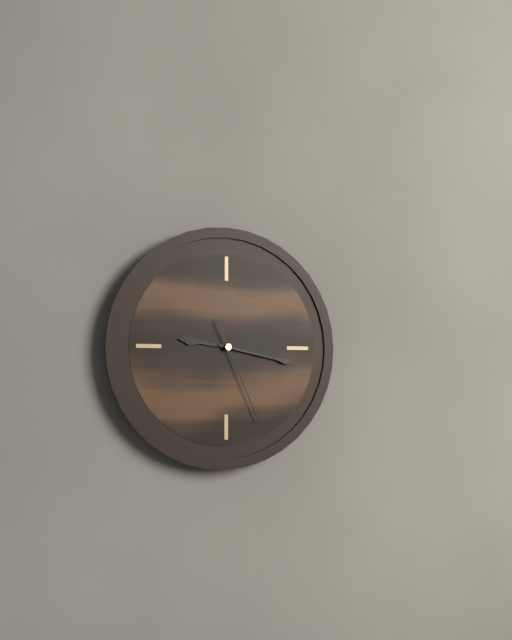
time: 9:17:26
